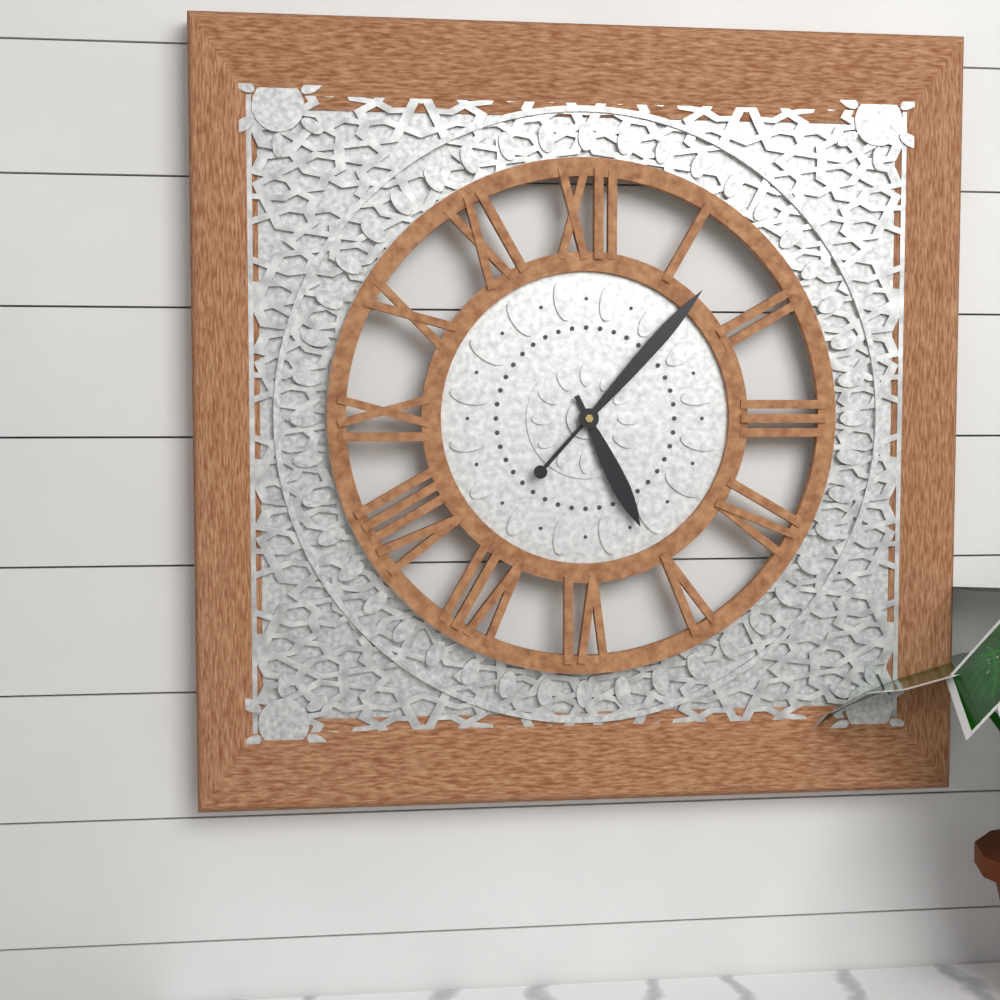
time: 5:07
